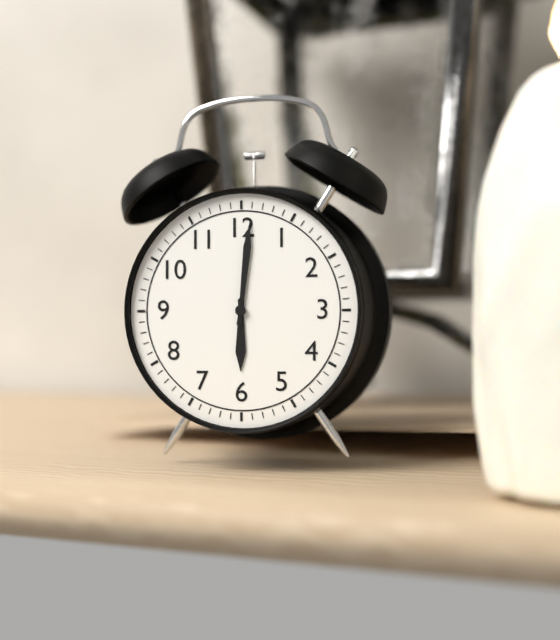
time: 6:01
